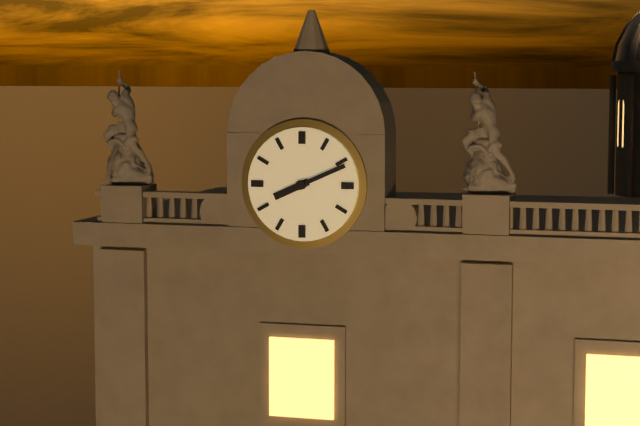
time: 8:11
